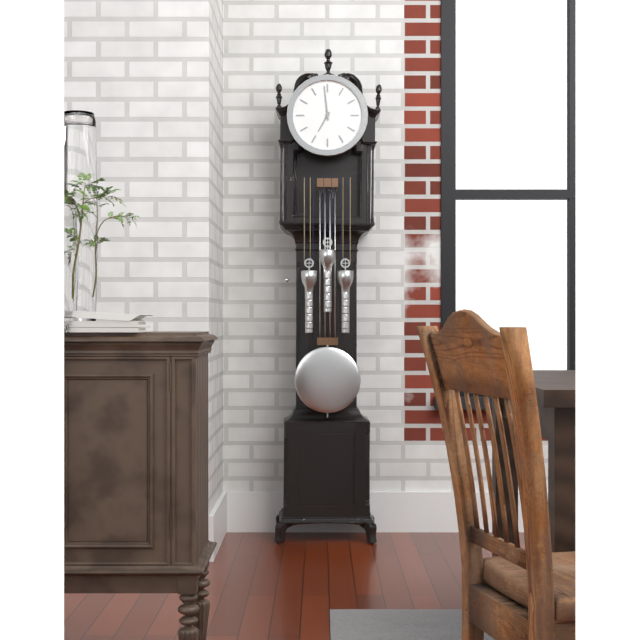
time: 6:59
